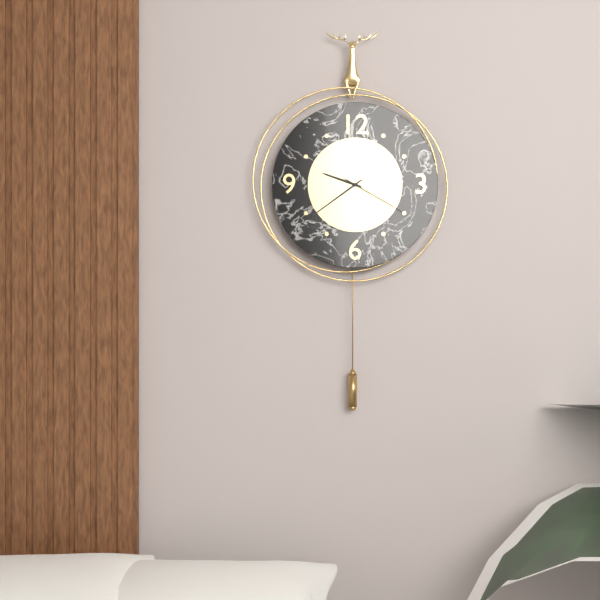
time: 9:39:20
